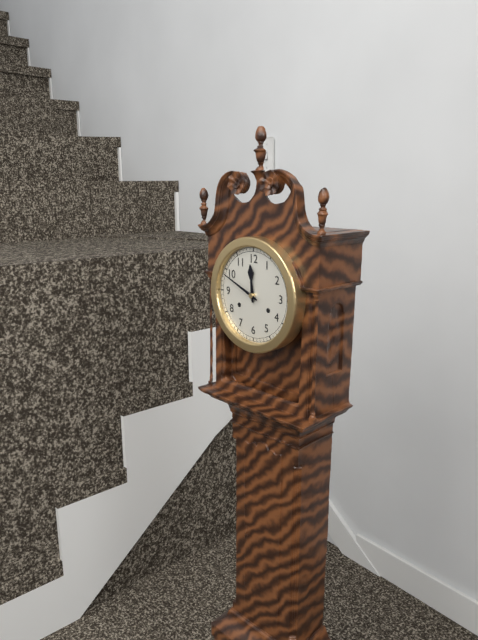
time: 11:49
